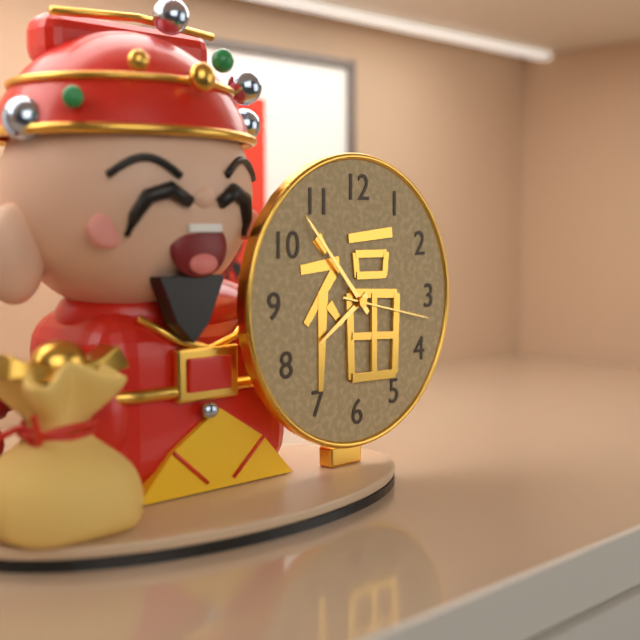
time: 7:53:17
